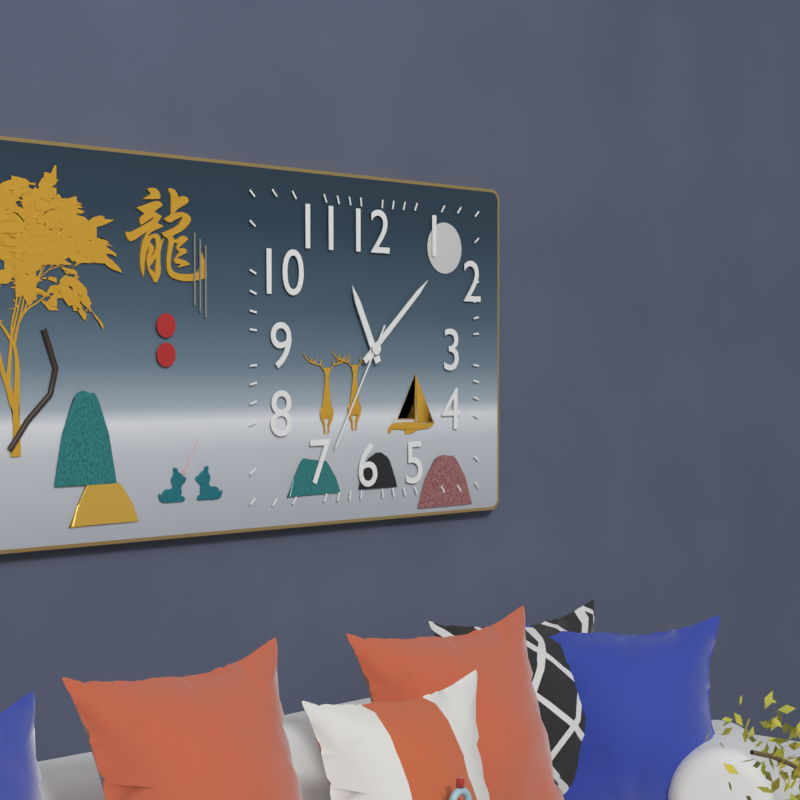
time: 11:08:35
